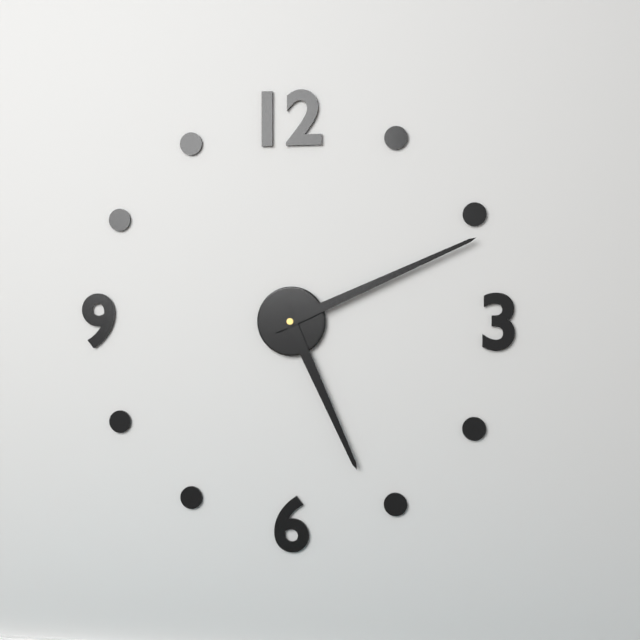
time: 5:11
